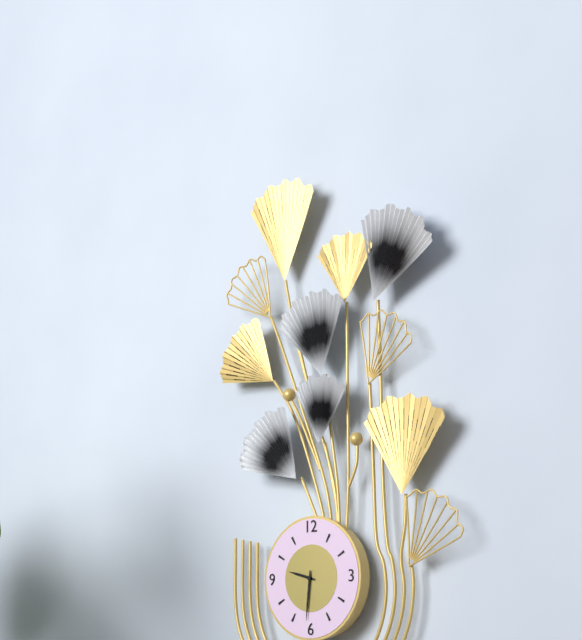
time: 9:31
